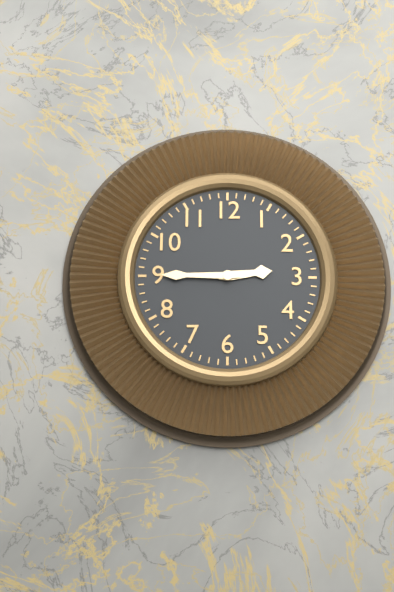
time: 2:45
